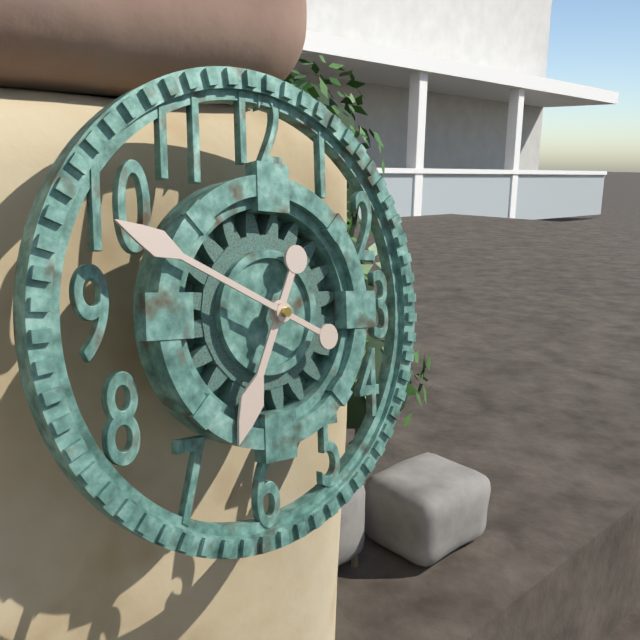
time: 6:49
